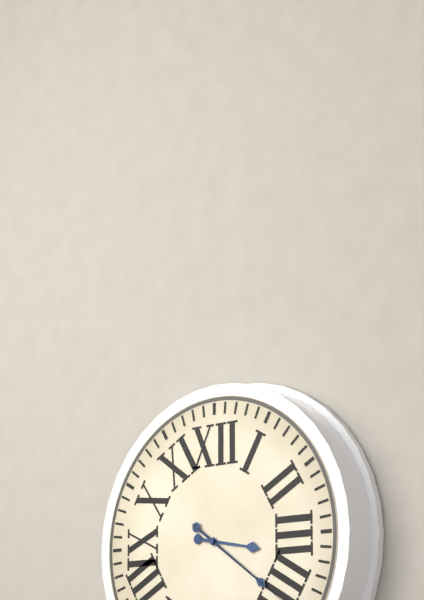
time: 3:21
